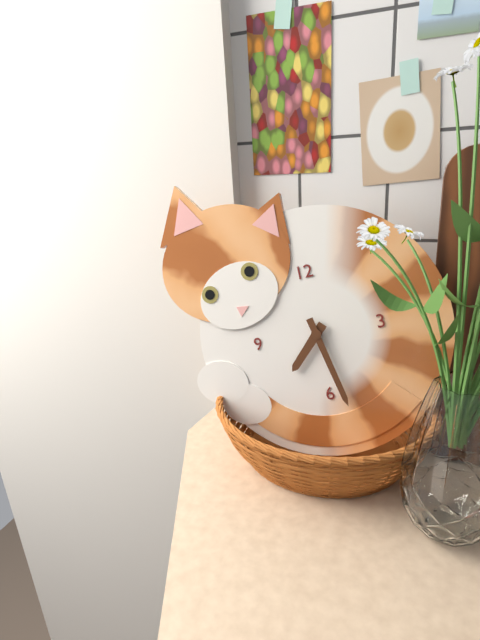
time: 7:28
